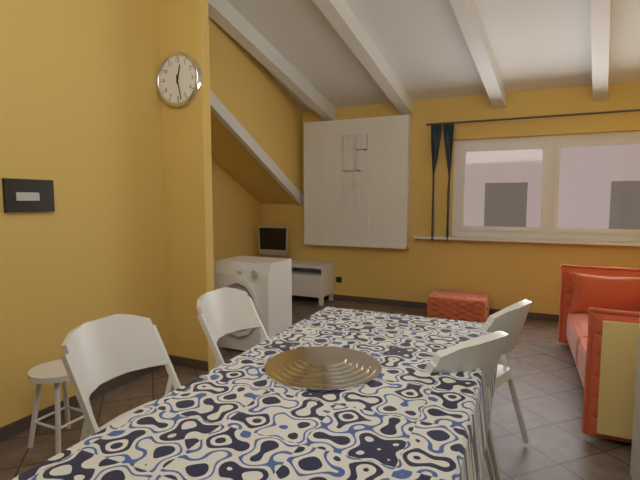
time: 12:28
